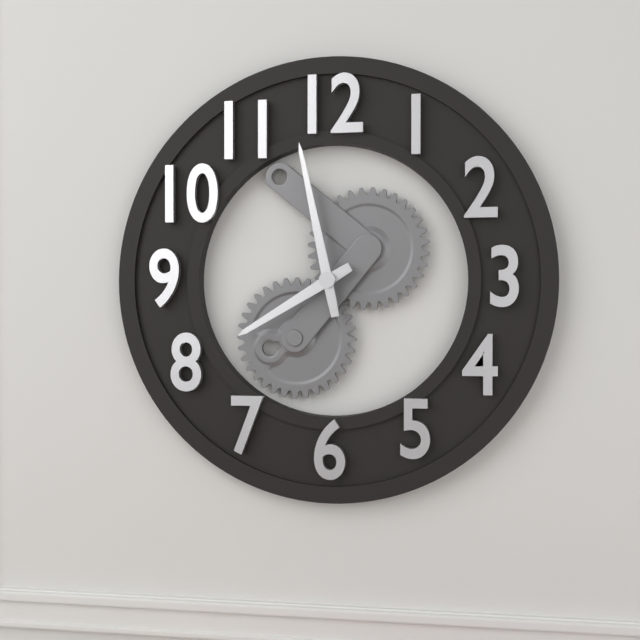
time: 7:58
